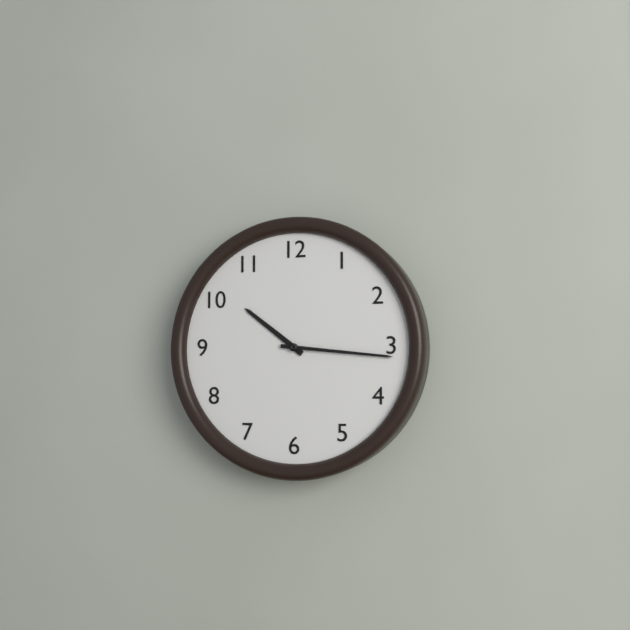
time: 10:16
